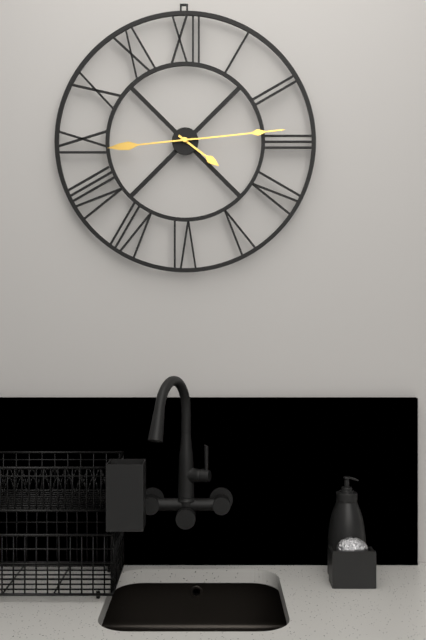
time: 4:14:44
